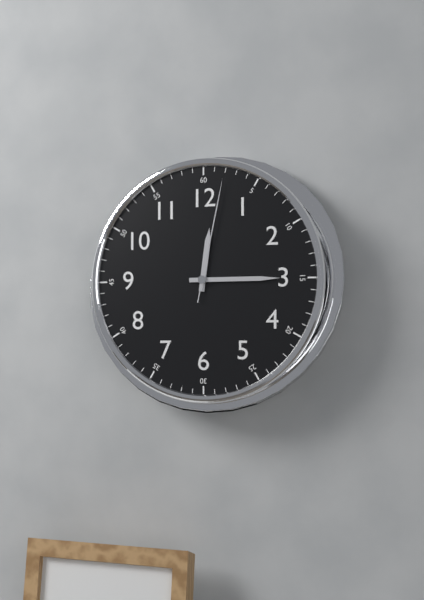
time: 12:15:02
